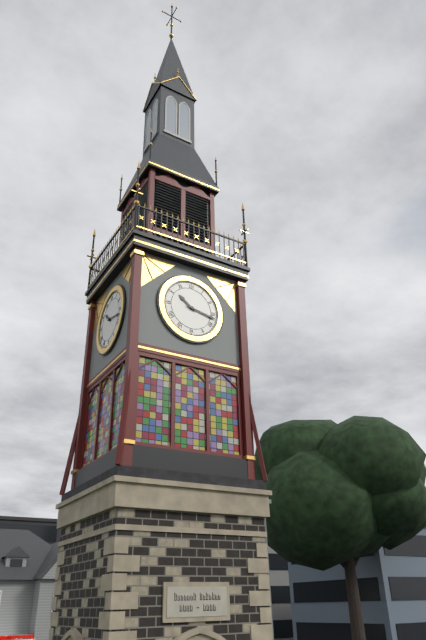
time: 10:17
